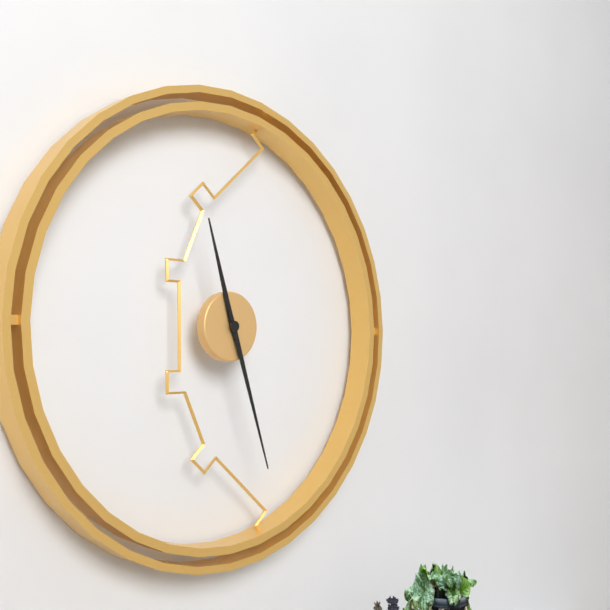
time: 11:27
